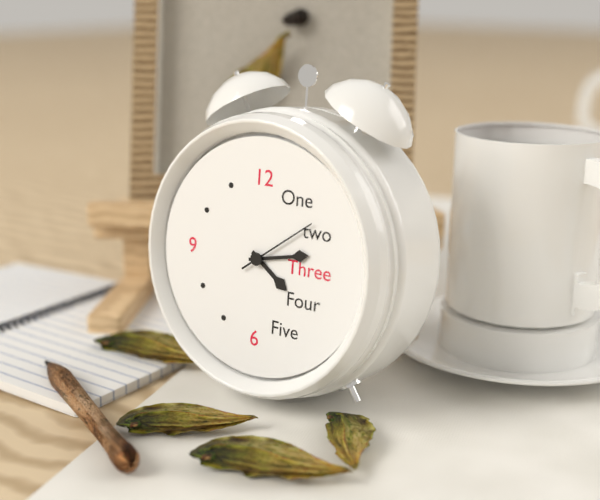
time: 4:13:09
